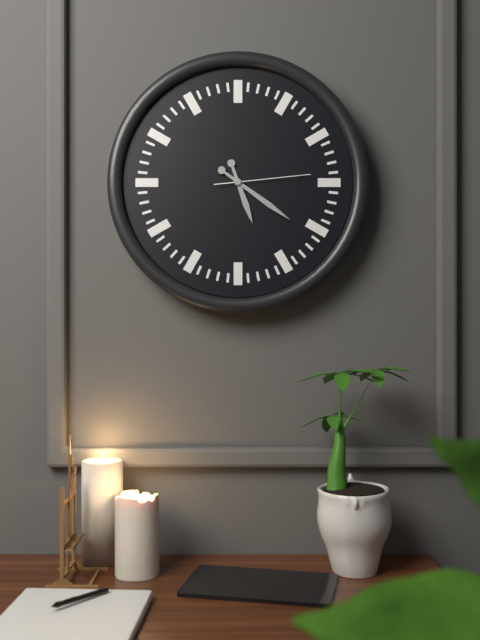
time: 5:21:14
